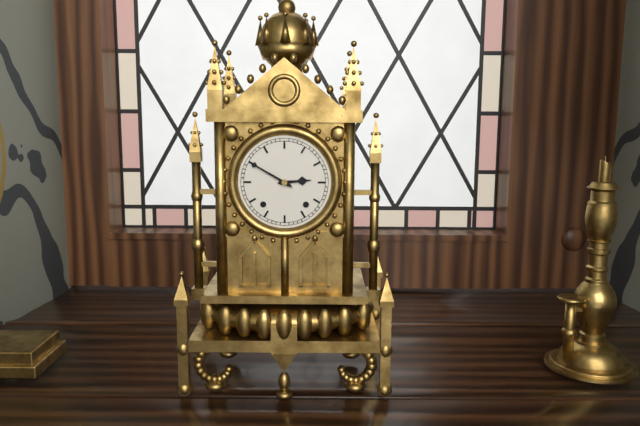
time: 2:50
